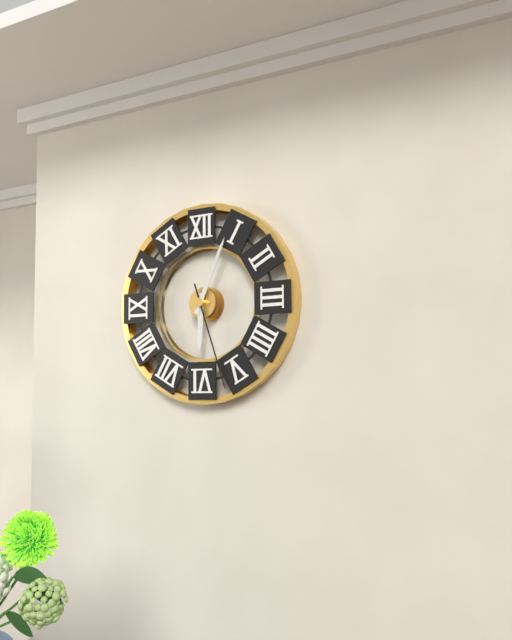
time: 6:04:27
